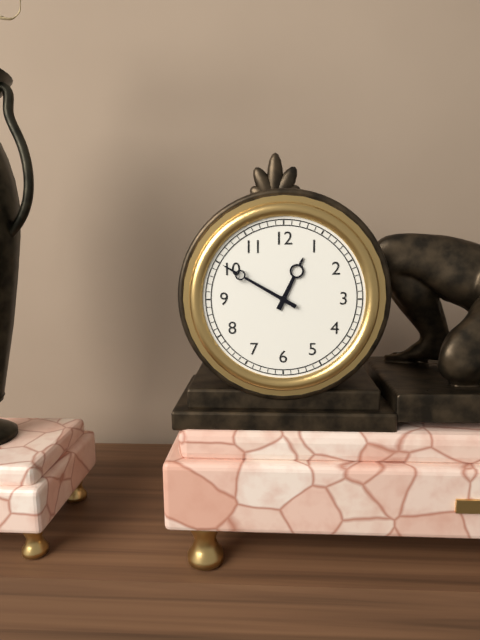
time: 12:50
